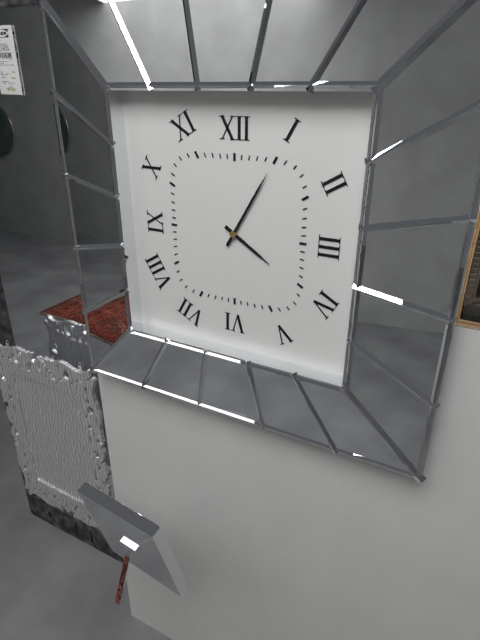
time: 4:05
